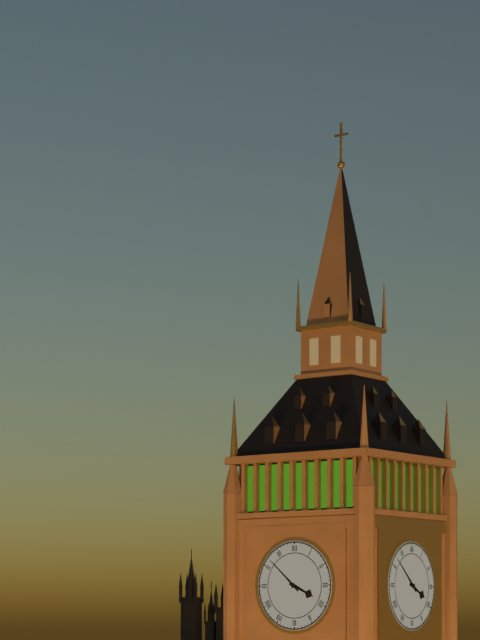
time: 3:52
